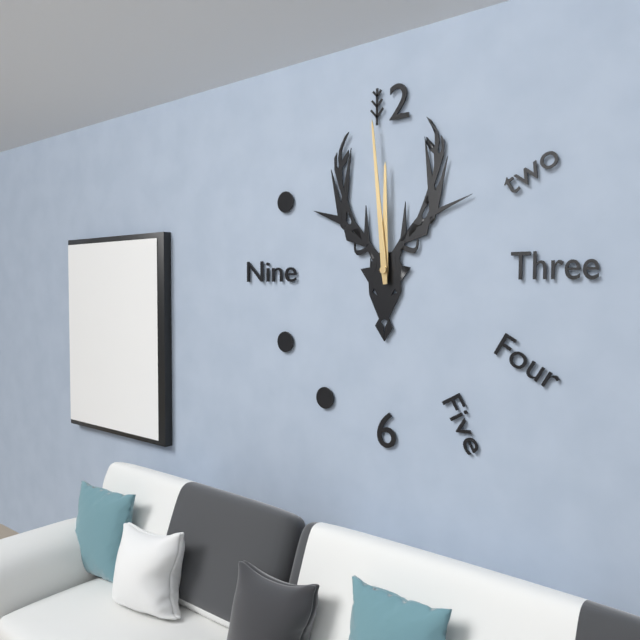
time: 11:59
